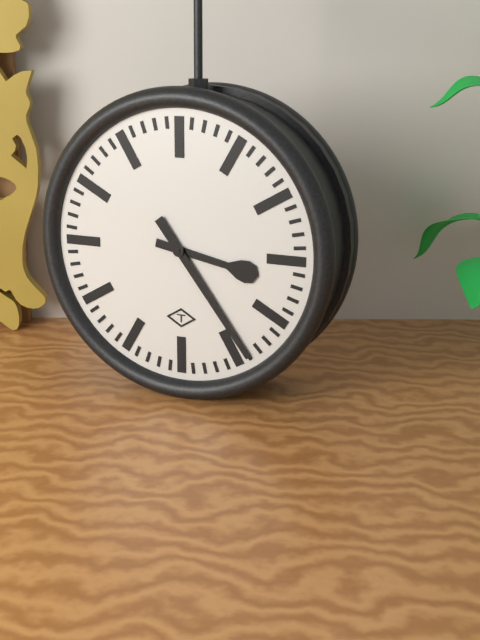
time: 3:24
